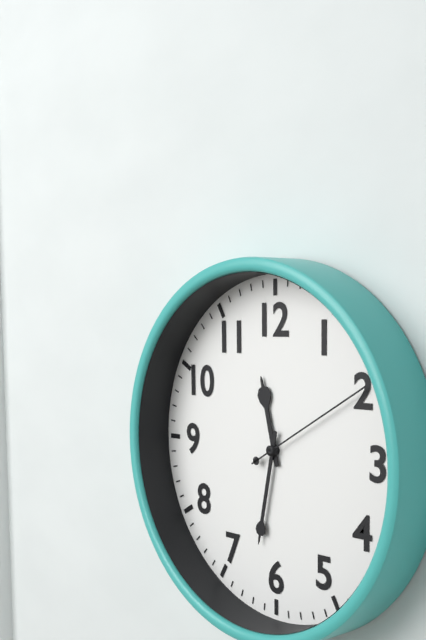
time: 11:32:10
